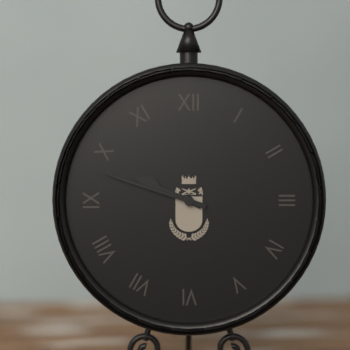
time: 9:48
